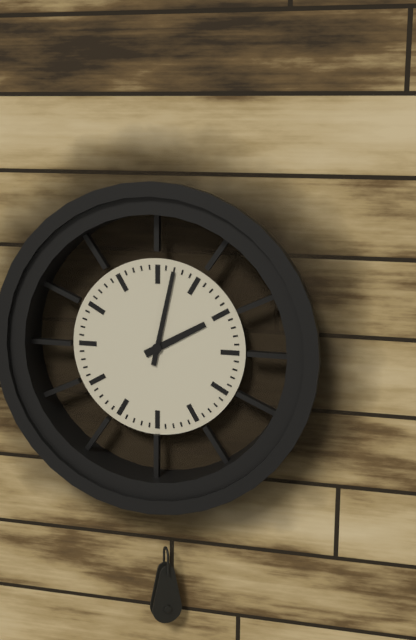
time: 2:02
